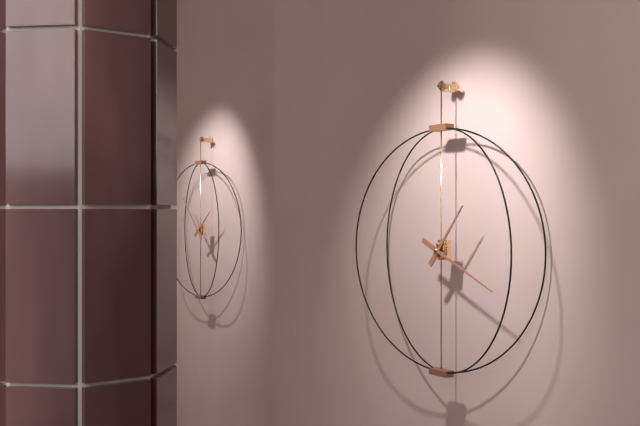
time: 1:19
